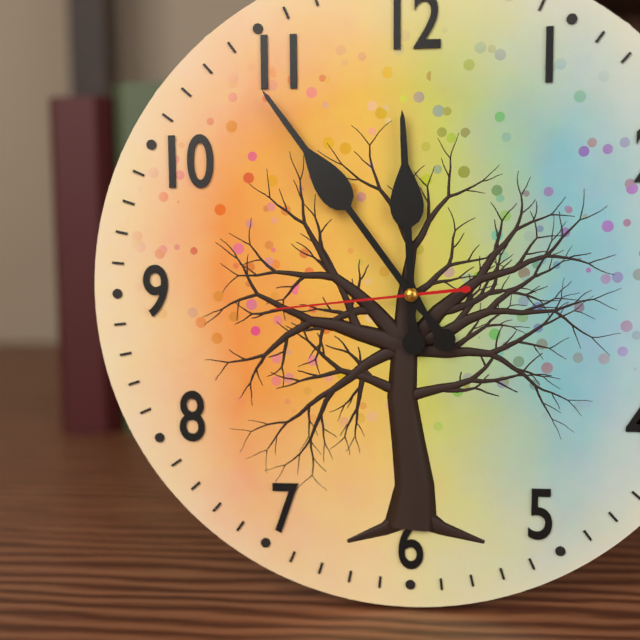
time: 11:54:44
